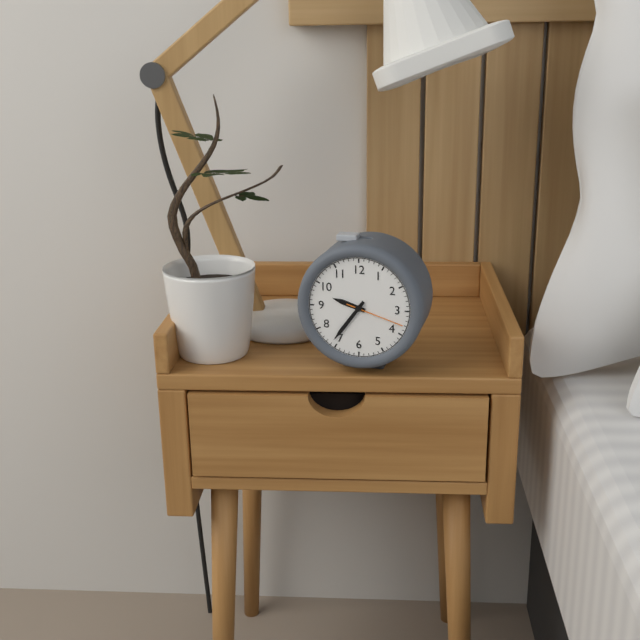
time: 9:36:18
